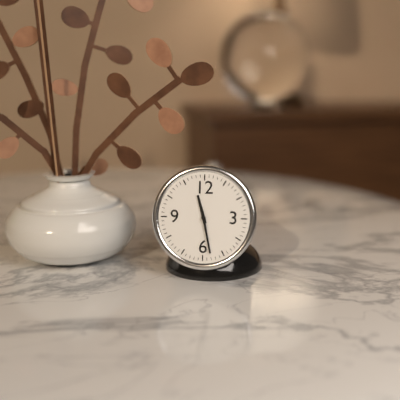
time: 11:28
